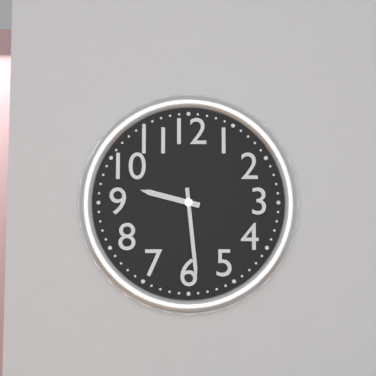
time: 9:29
